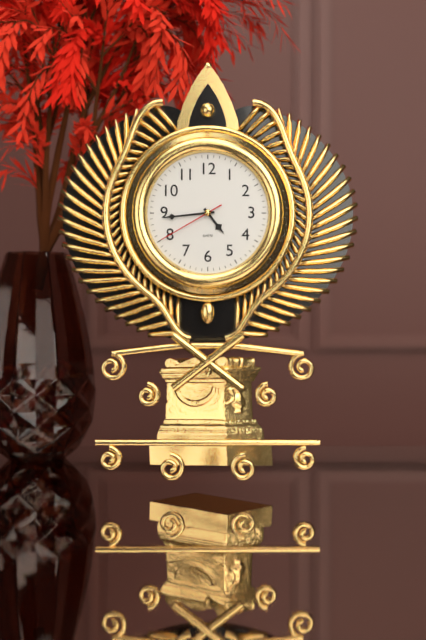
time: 4:44:40
